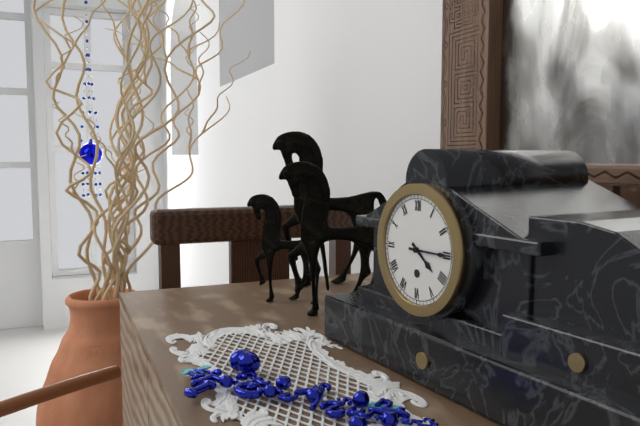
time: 4:15
